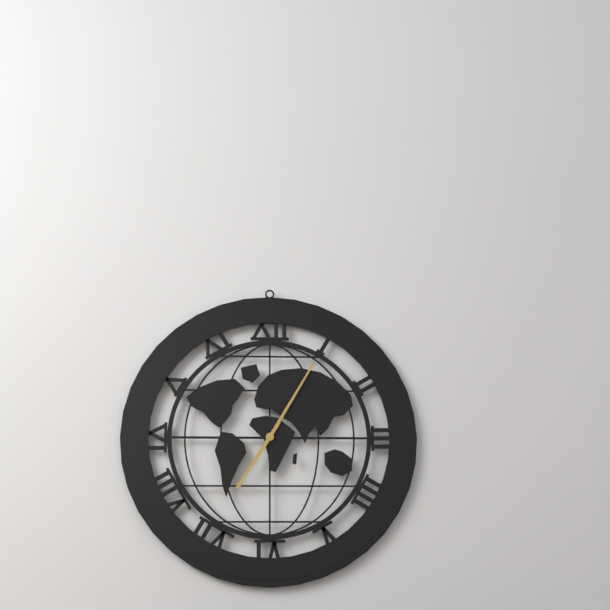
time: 7:05
